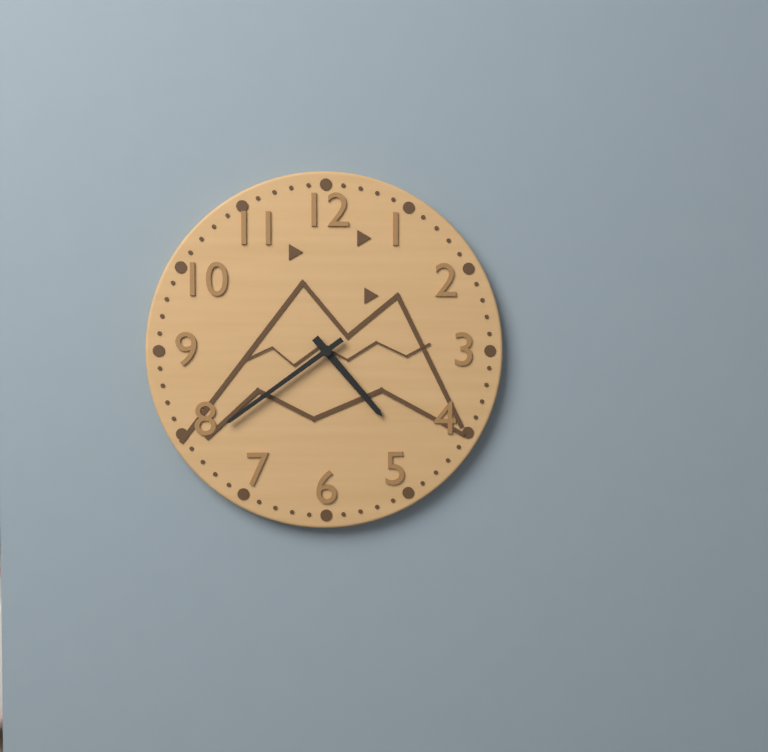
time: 4:39
